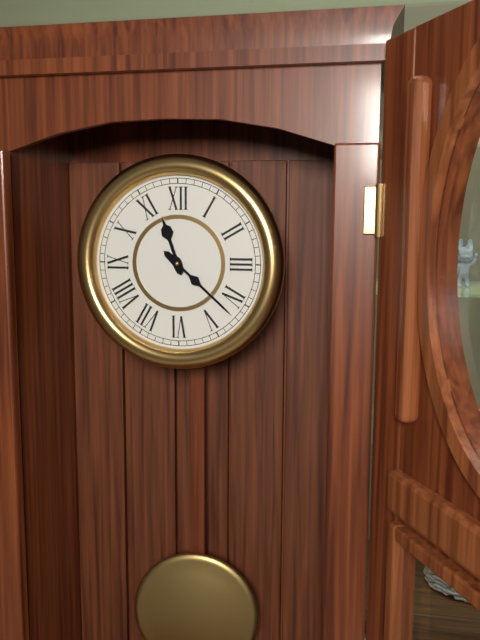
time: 11:22
